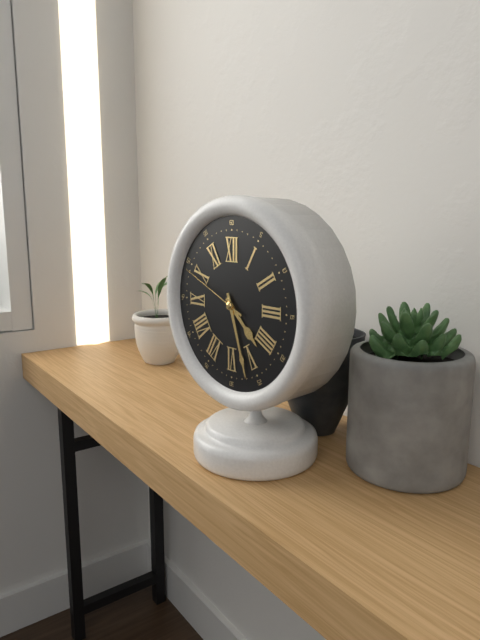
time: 4:27:49
